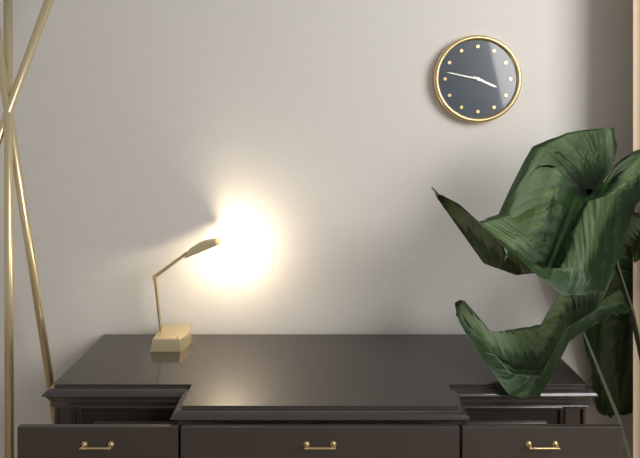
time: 3:47
